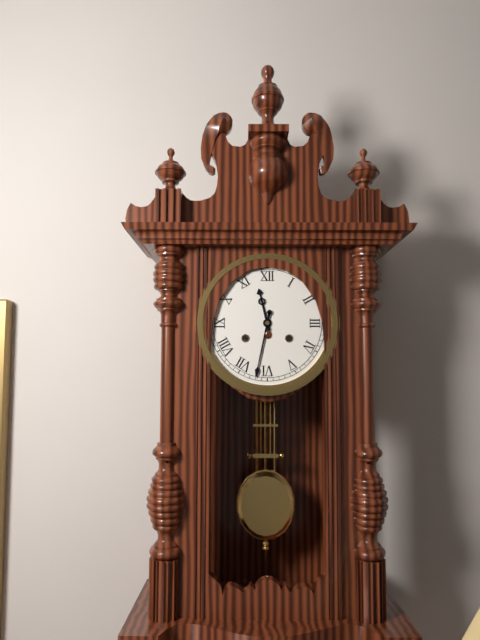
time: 11:32
